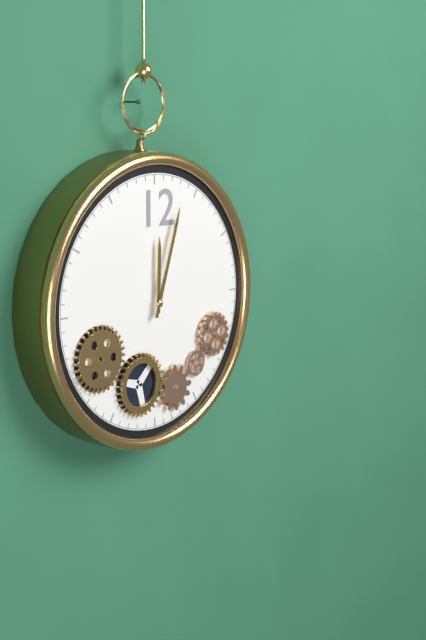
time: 12:03
